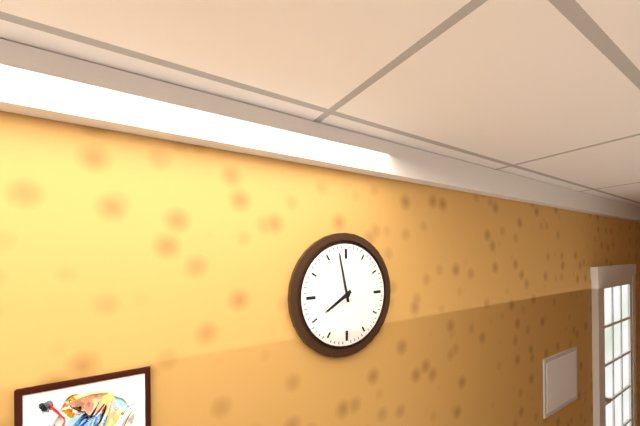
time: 7:58
